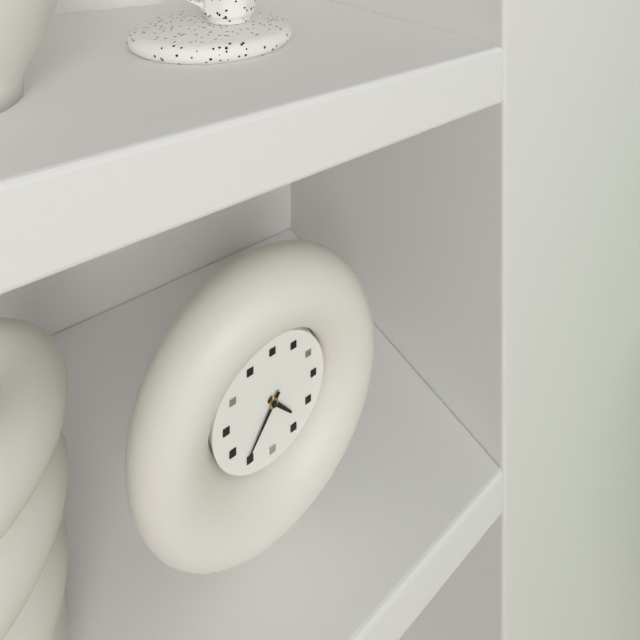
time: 4:36
